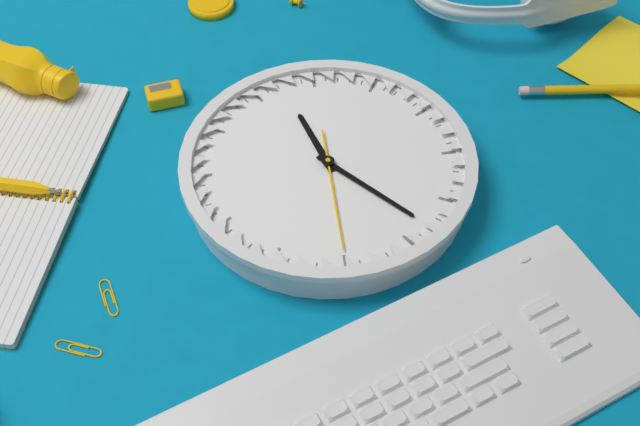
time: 12:28:35
